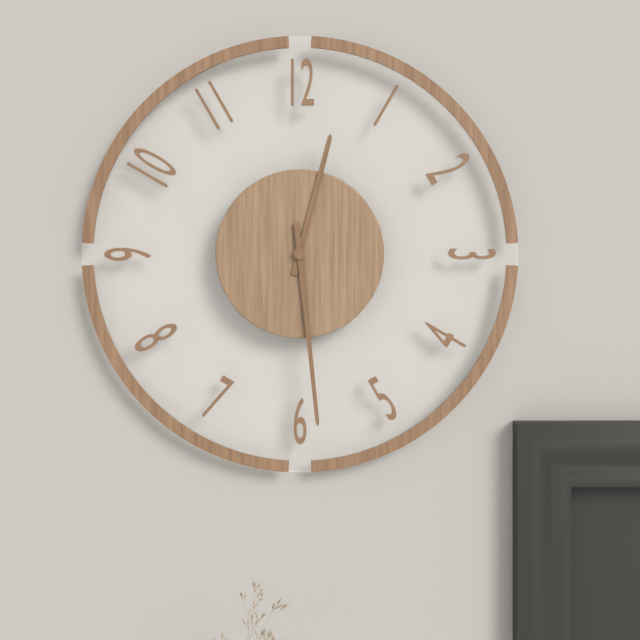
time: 12:29
